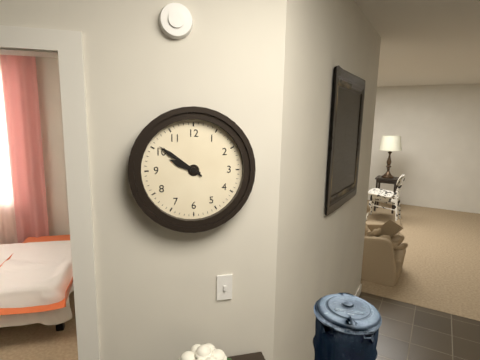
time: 9:51
